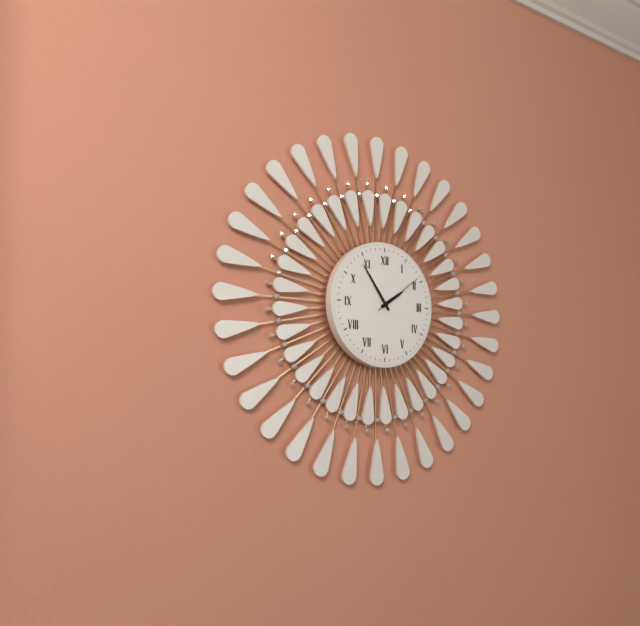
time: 1:54:09
